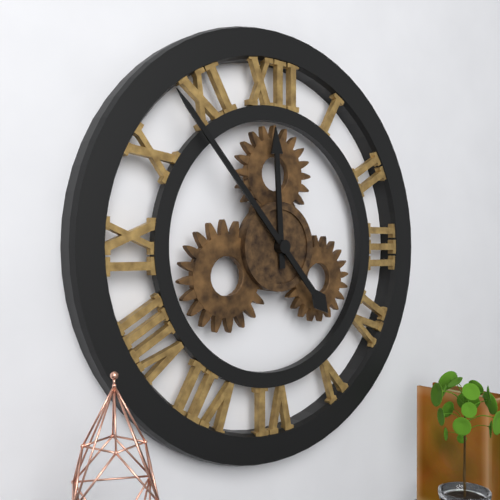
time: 11:53
